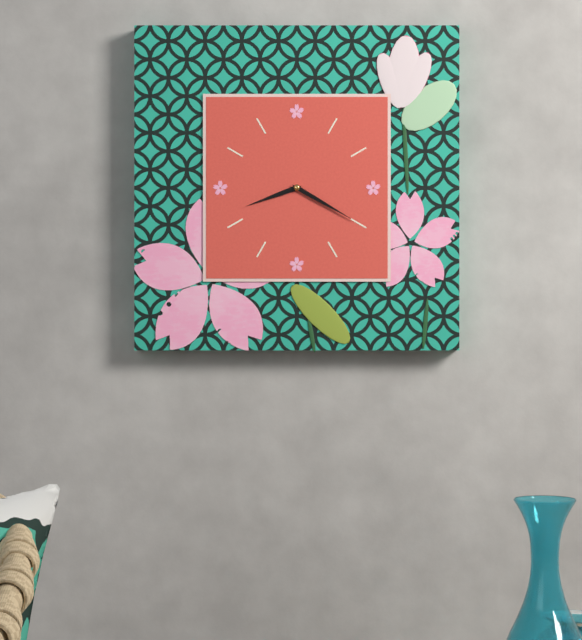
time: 8:20
